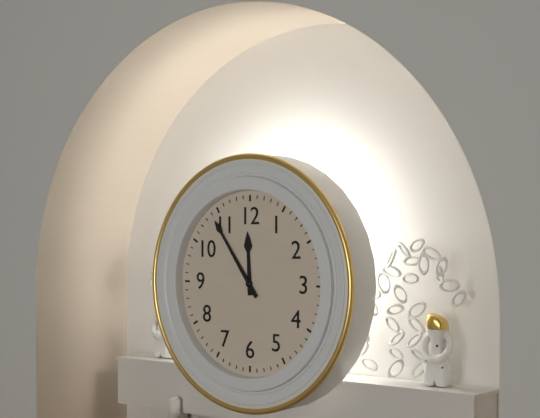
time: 11:54
